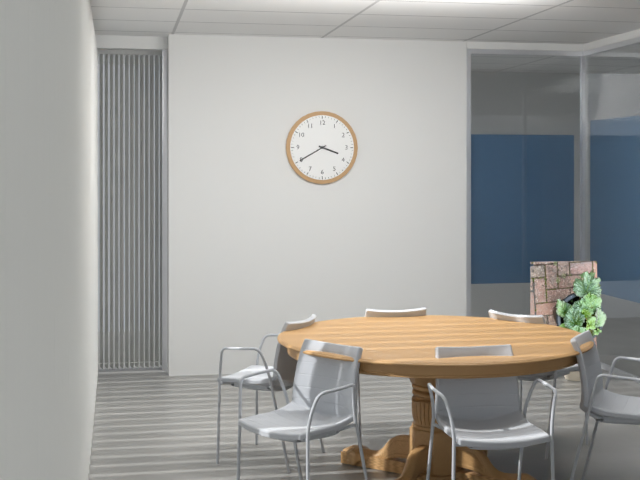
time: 3:40
